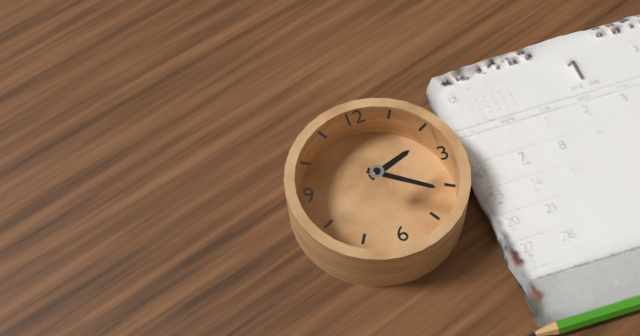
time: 2:21
